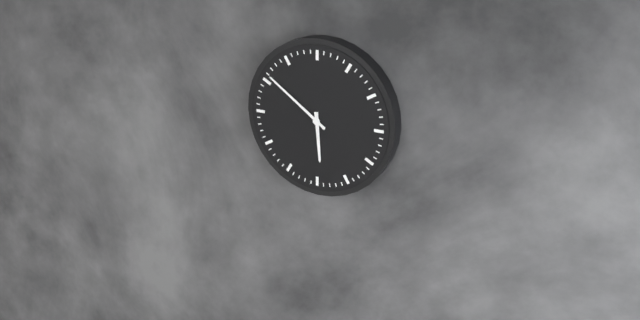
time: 5:51
